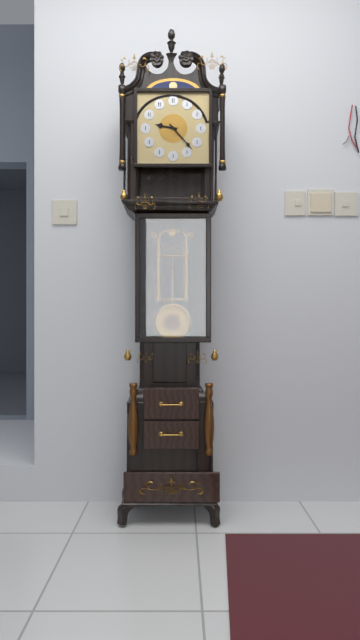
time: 9:23
